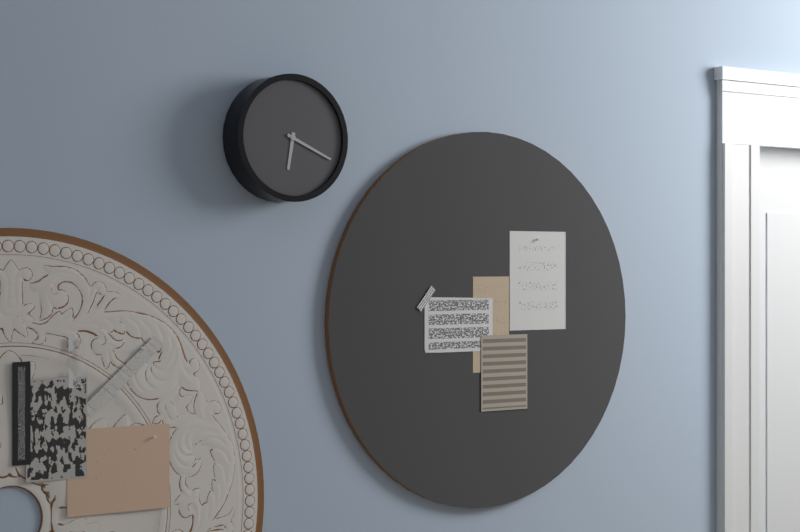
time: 6:19
